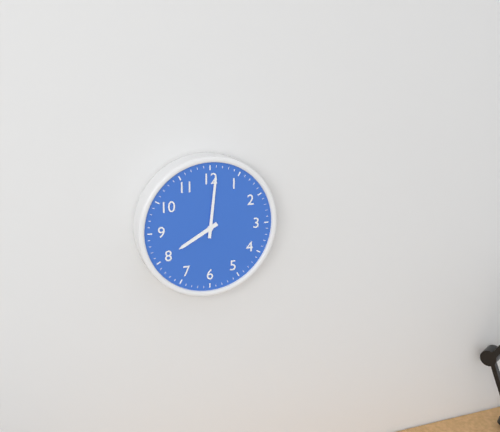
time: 8:01
